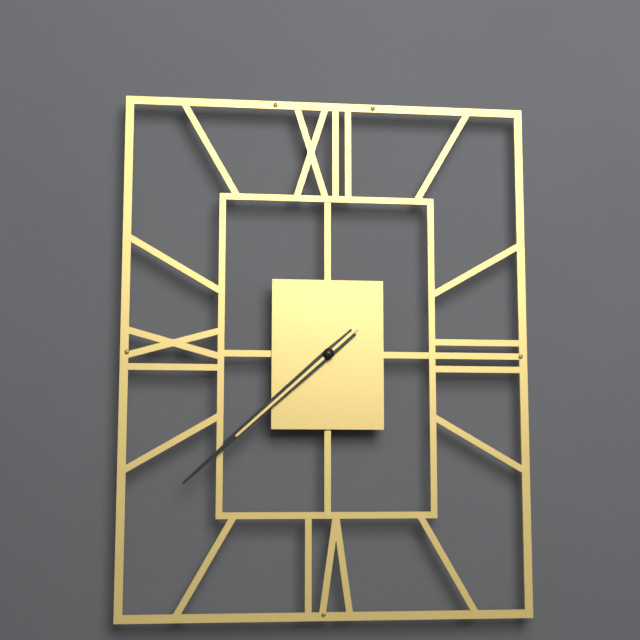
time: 7:38:38
